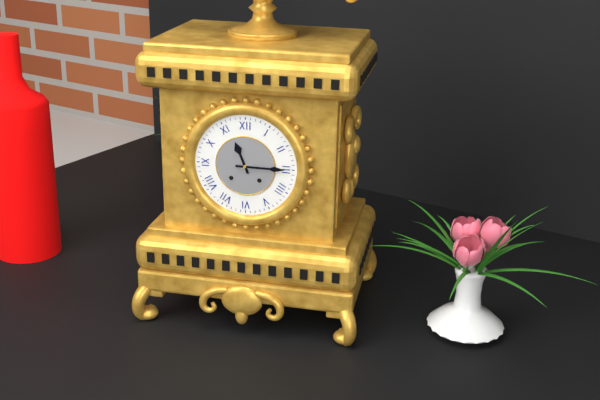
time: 11:15
